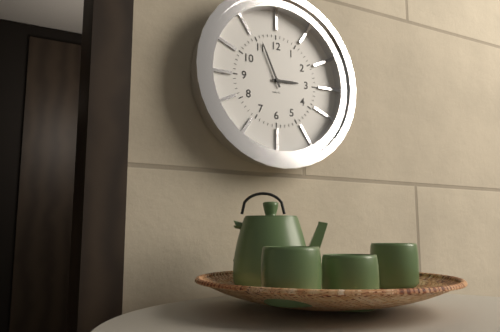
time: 2:56
